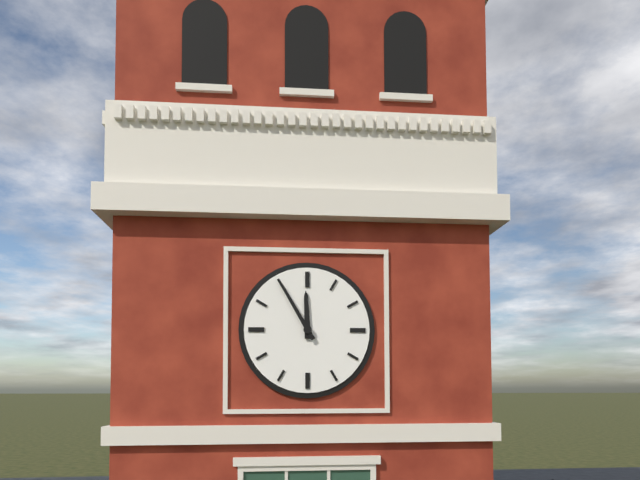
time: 11:55
